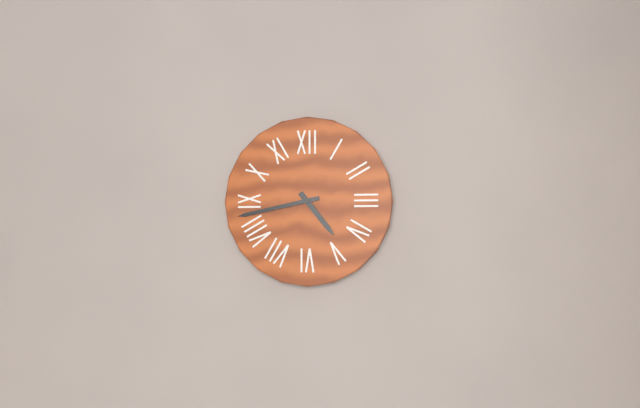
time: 4:43
